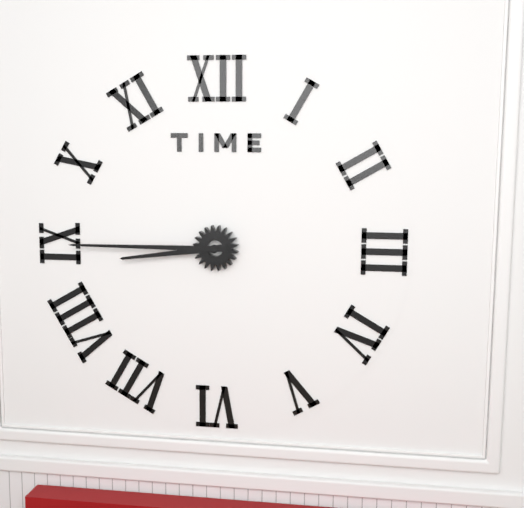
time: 8:45
